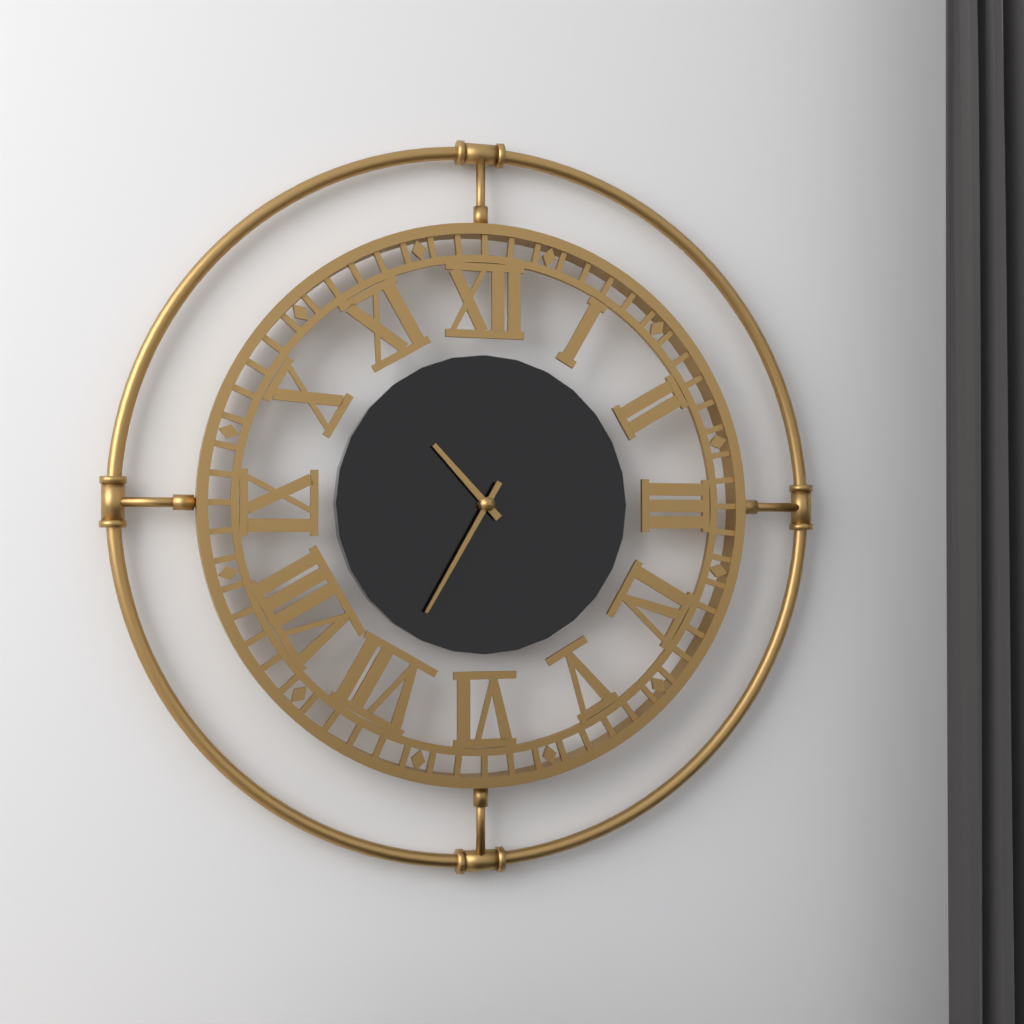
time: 10:35
